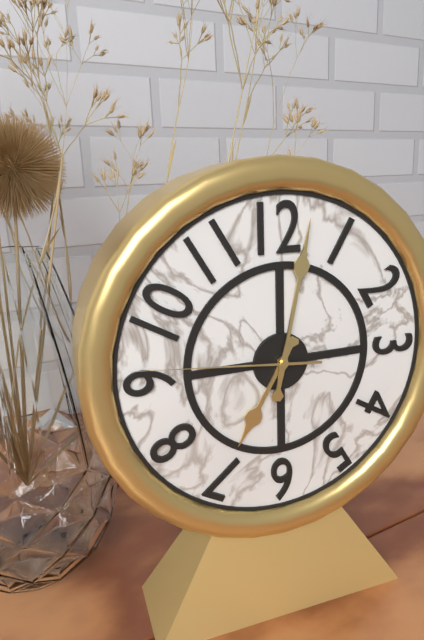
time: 7:02:46
